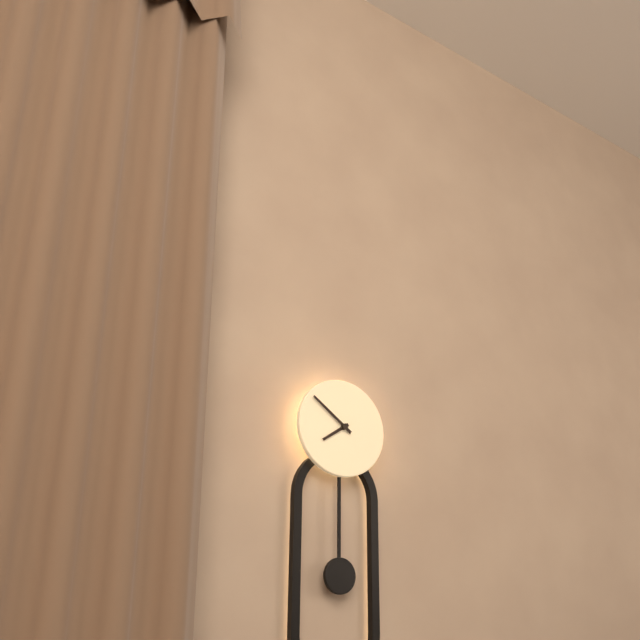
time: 7:51
